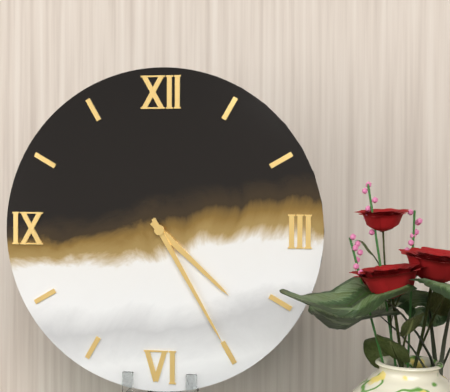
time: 4:25
